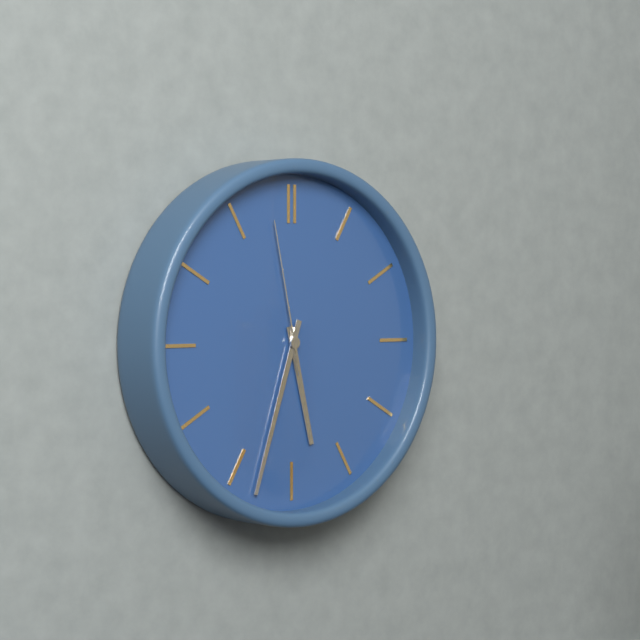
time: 5:33:58
